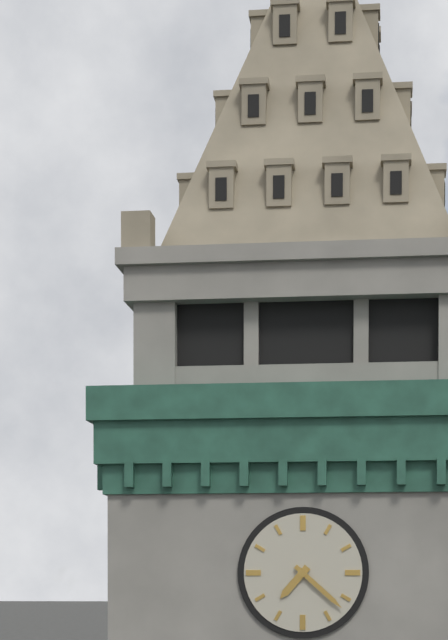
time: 7:22
